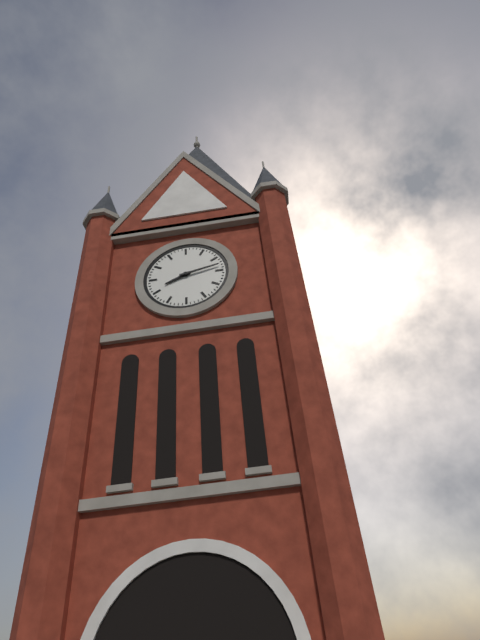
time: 8:13
